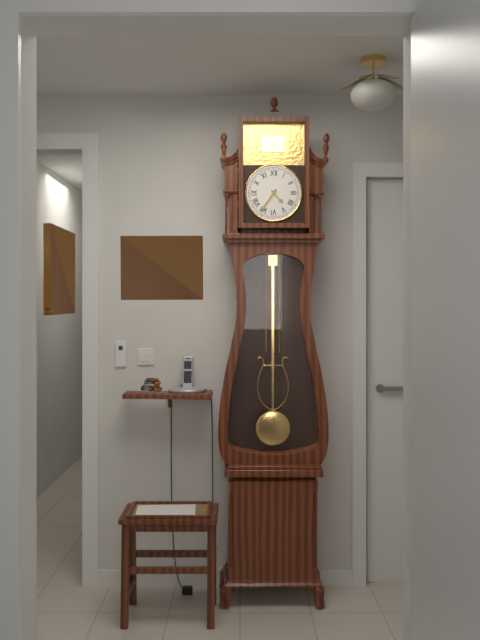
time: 4:36
